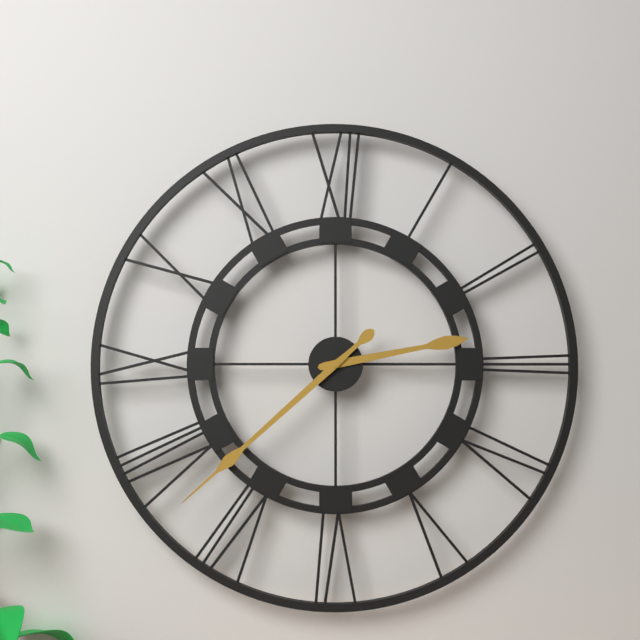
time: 2:38
